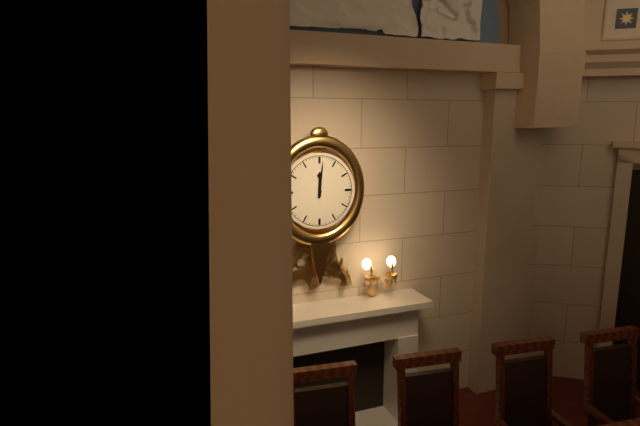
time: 12:01
